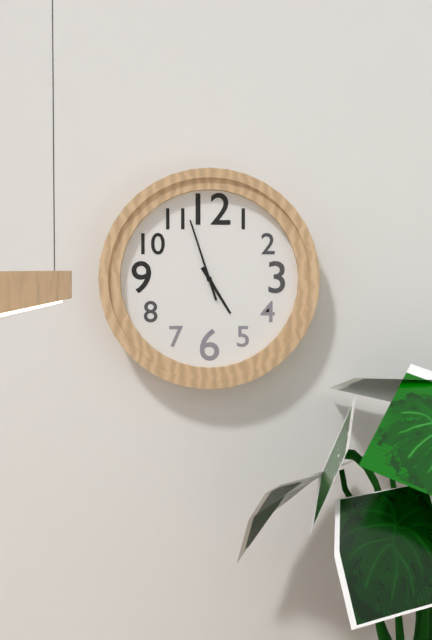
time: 4:57
